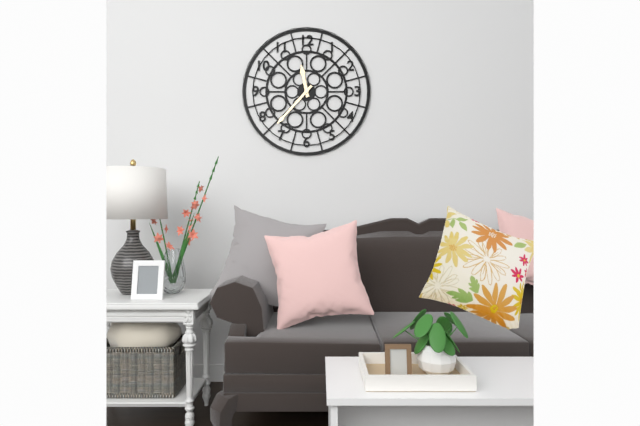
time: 11:37
